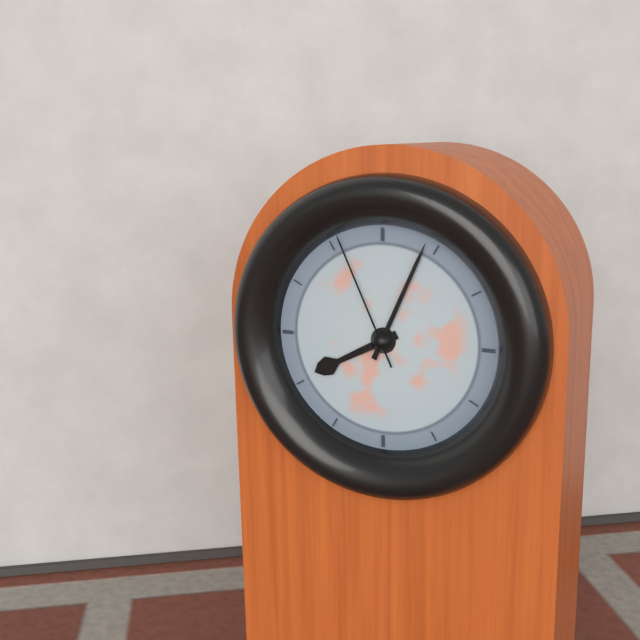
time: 8:04:56
